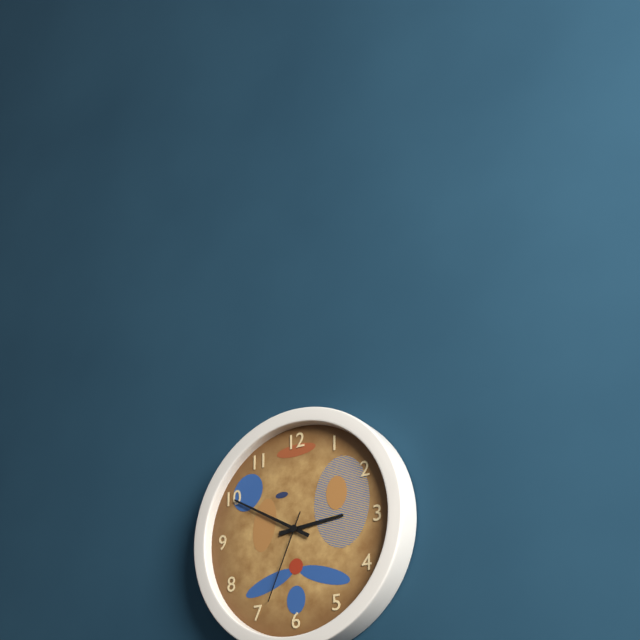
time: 2:50:34
